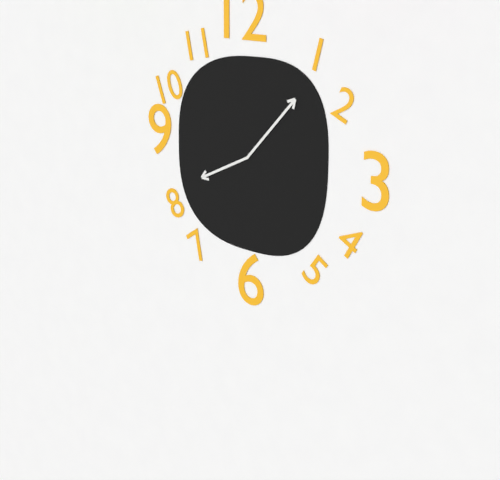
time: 8:07
